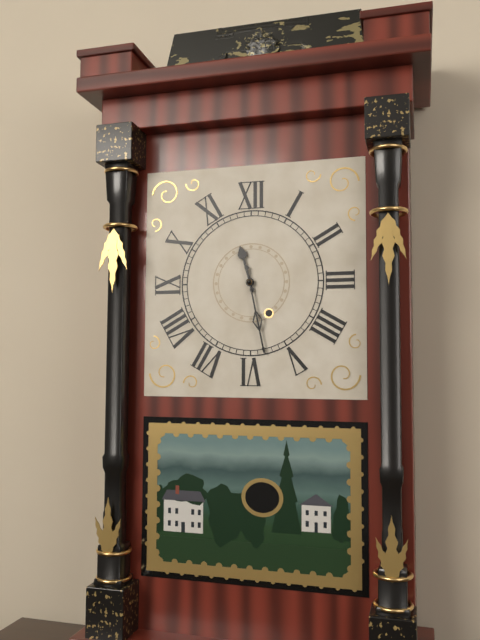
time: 11:28
